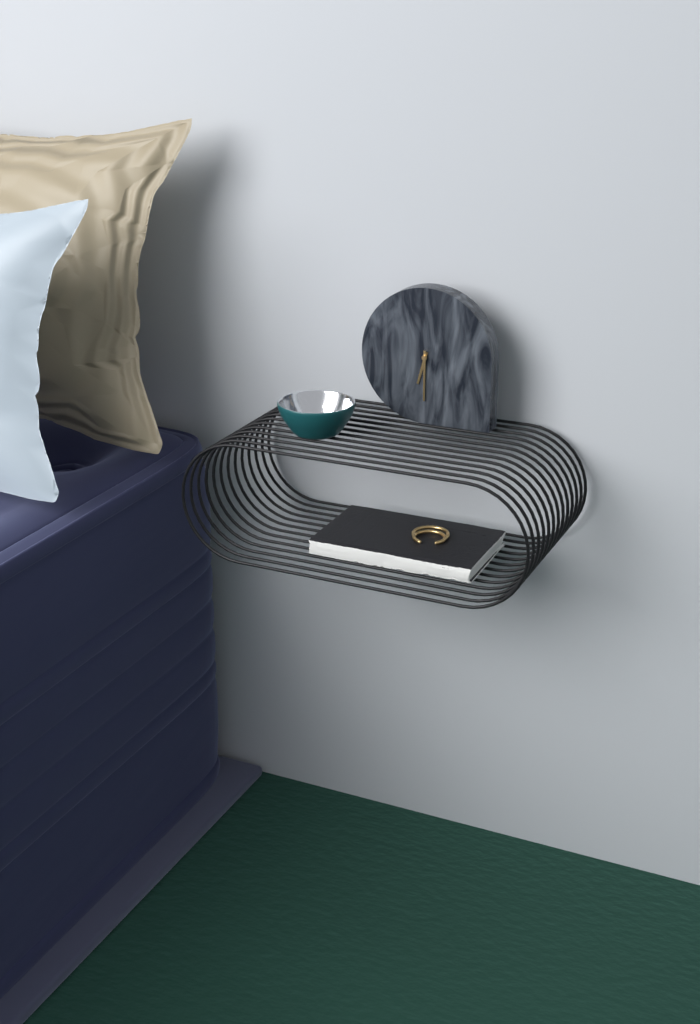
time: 6:30
